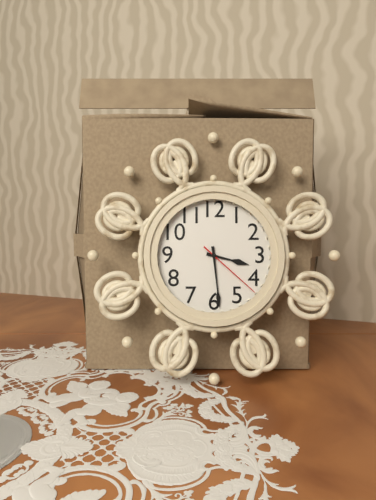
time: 3:29:22
